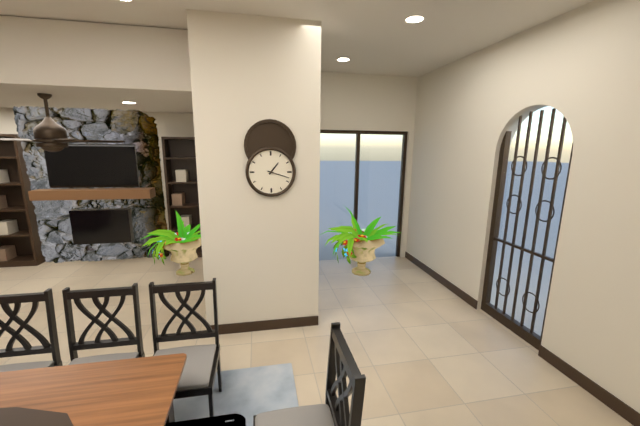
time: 1:18
